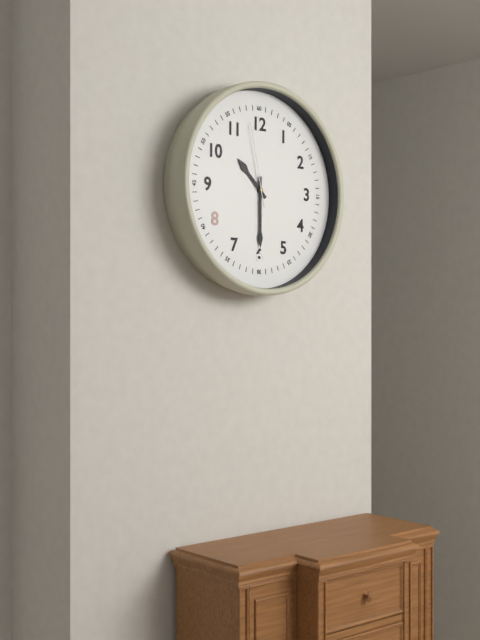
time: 10:30:58
